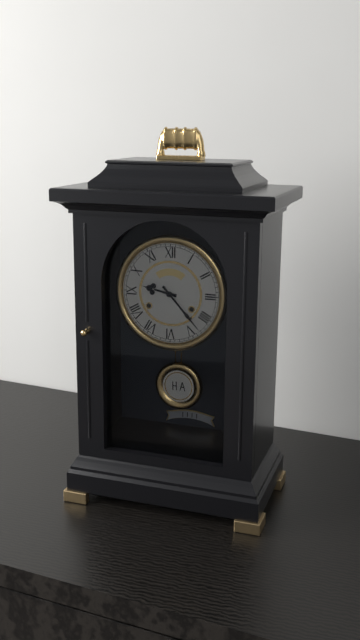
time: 9:23
